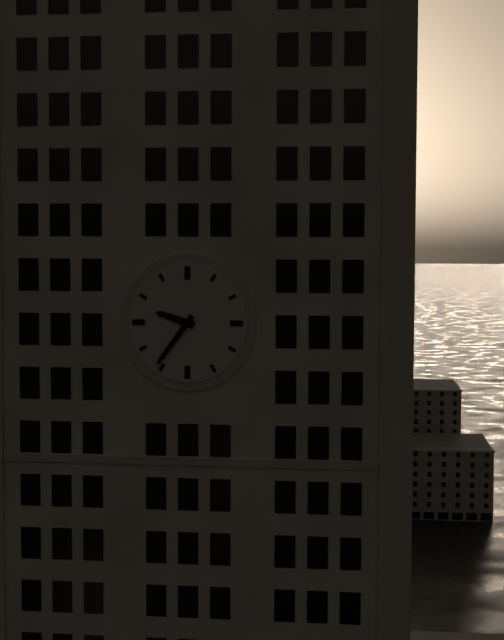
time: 9:36
